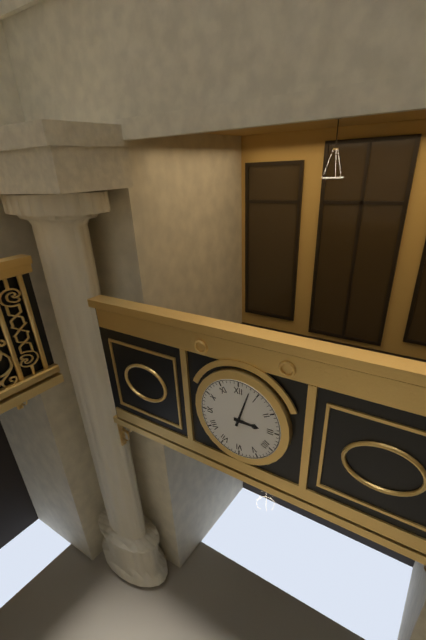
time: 3:03
